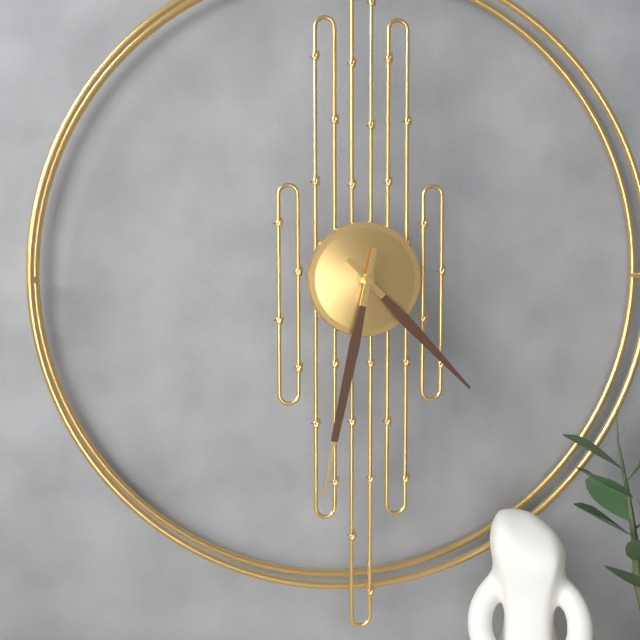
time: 4:32
